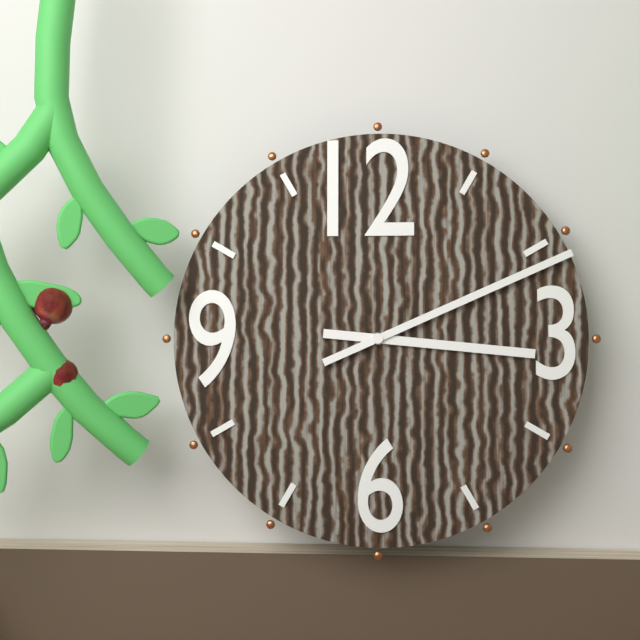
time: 3:11
